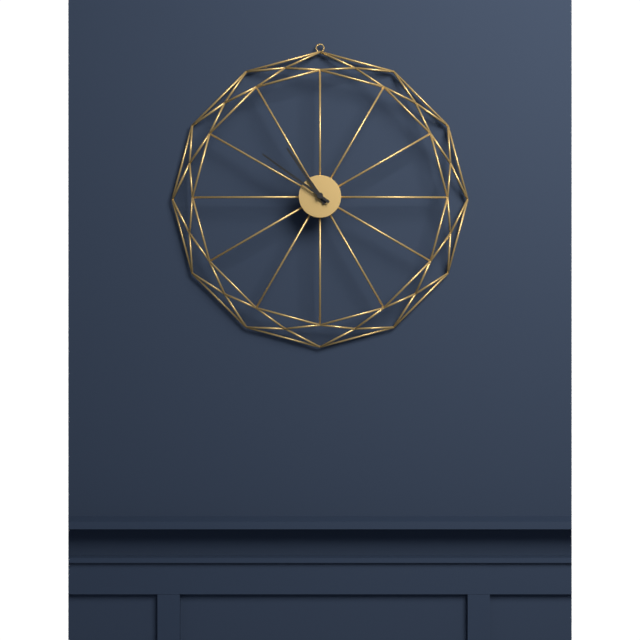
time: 10:51
